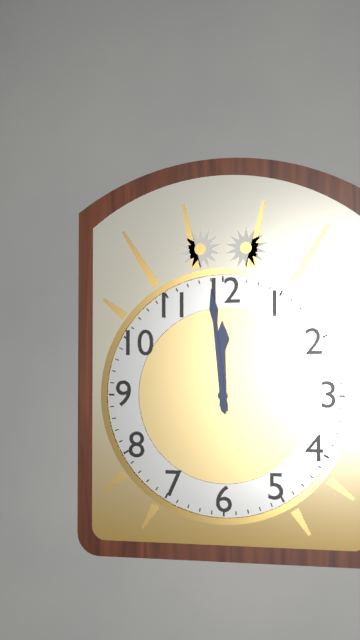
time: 11:59
